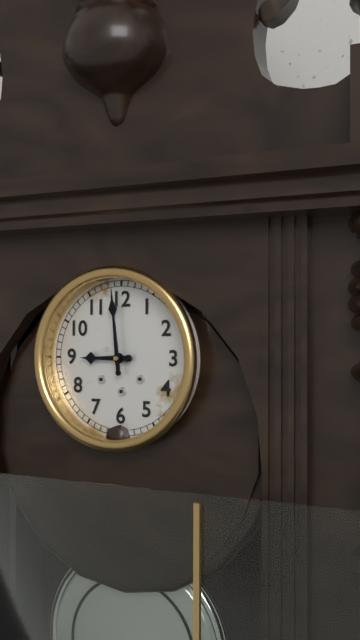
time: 8:59
